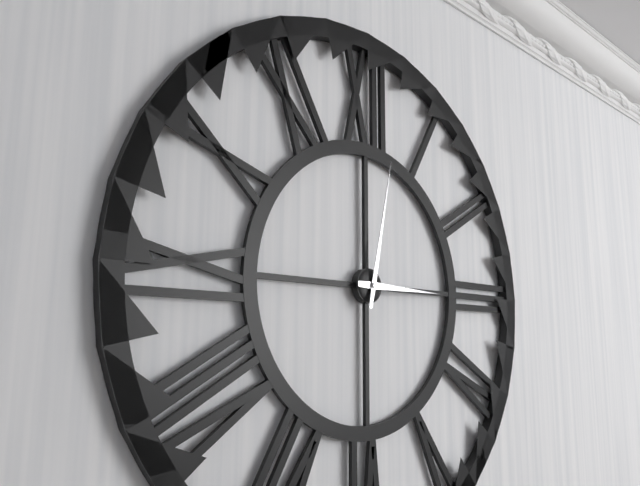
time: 3:02
